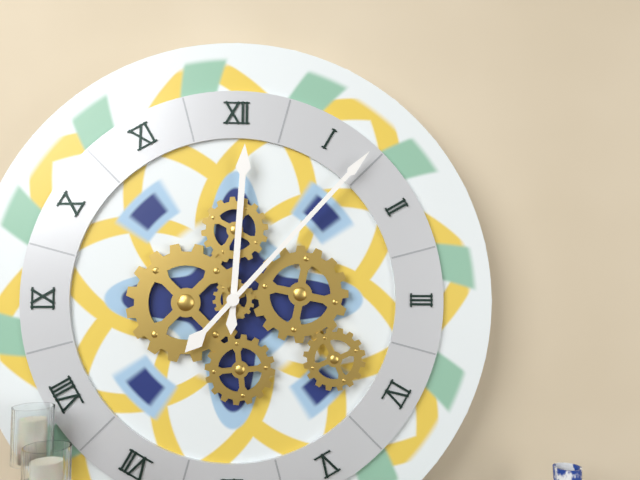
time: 12:07
